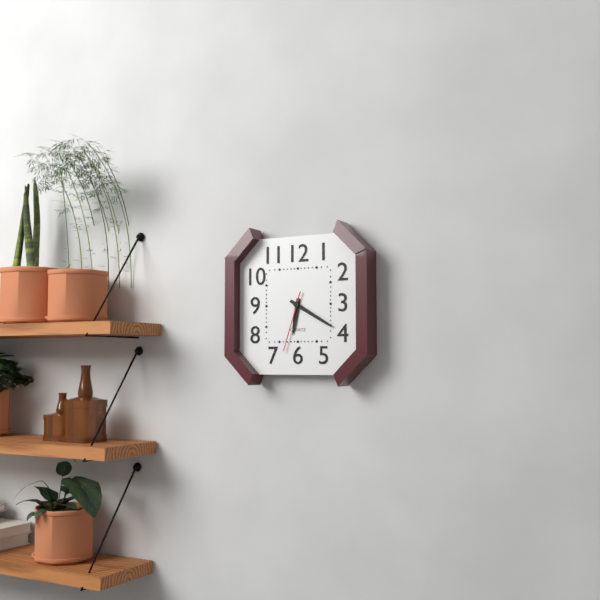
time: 6:20:33
